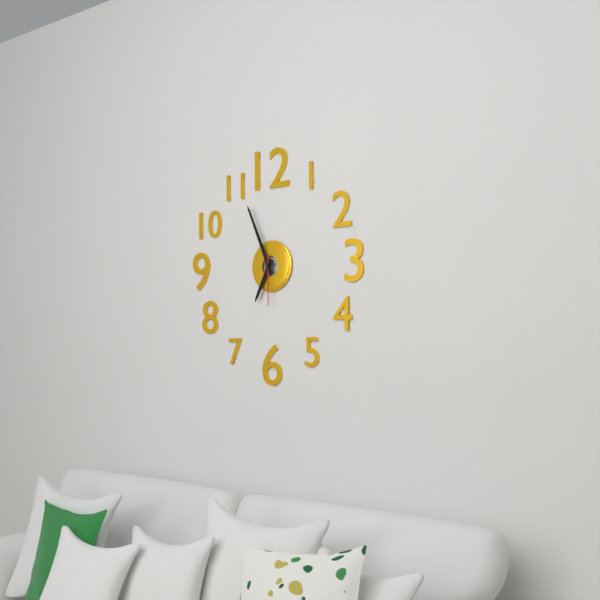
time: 6:56:30
